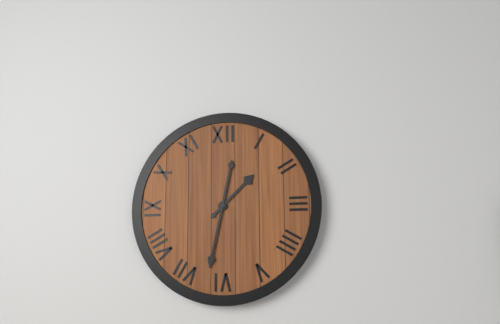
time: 1:32
